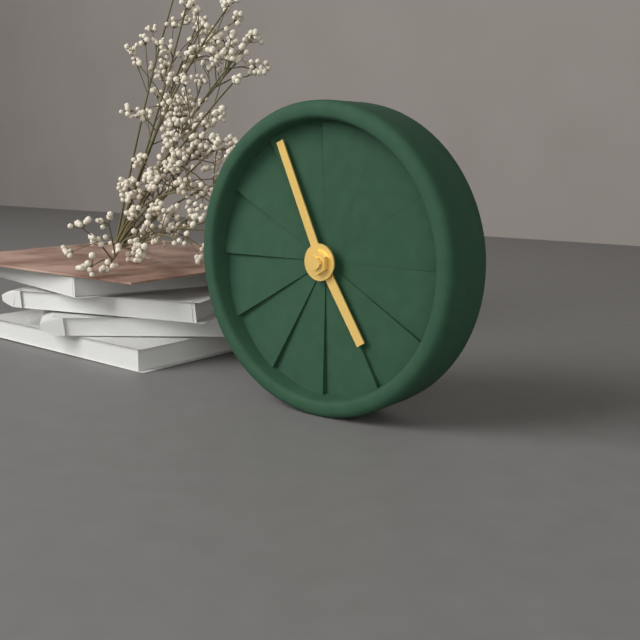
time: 4:56
